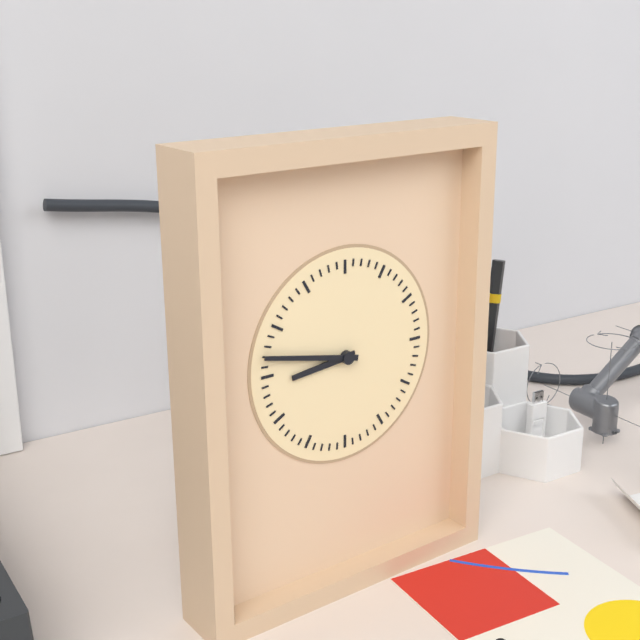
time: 8:47
